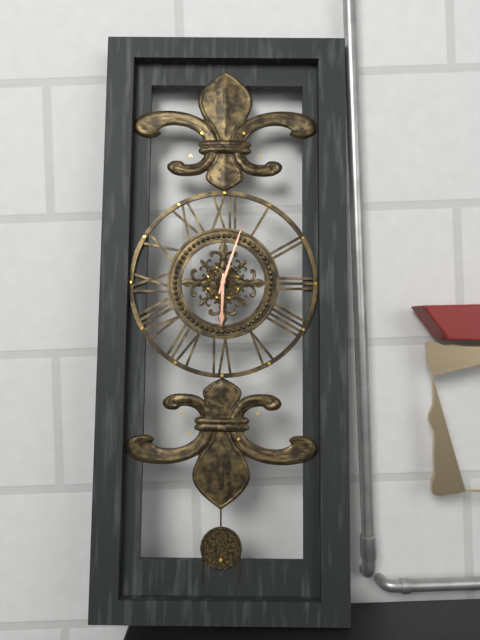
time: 6:03
